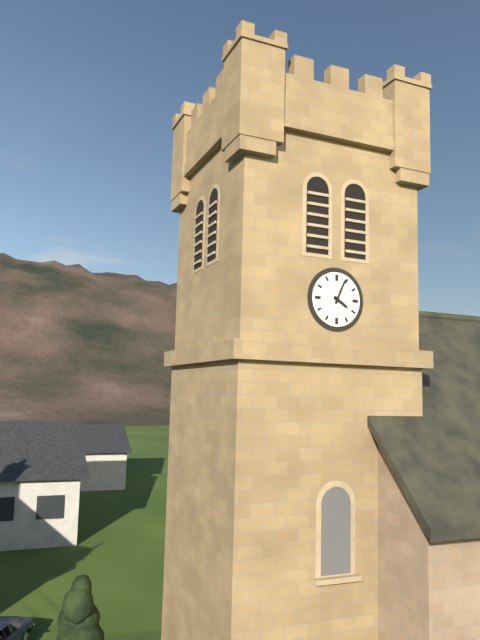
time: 4:04
